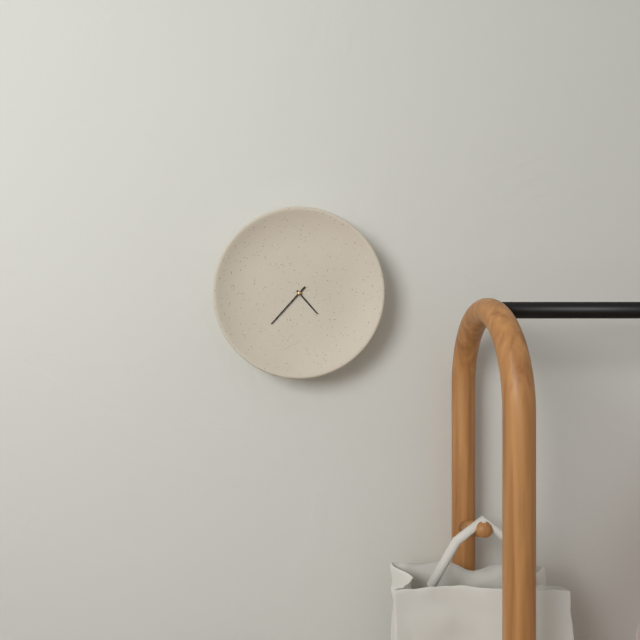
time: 4:37
